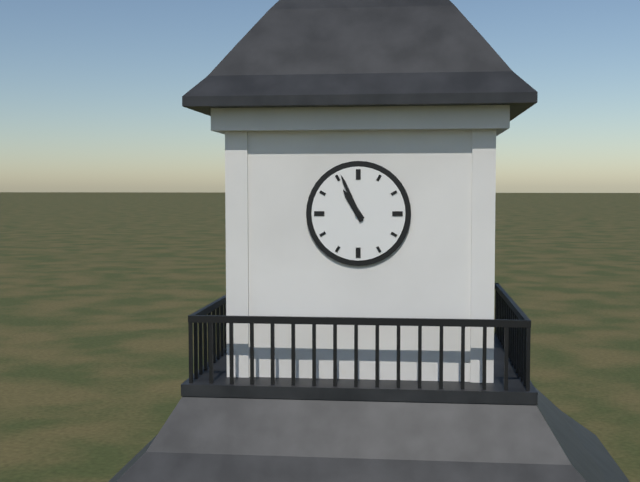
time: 10:56
